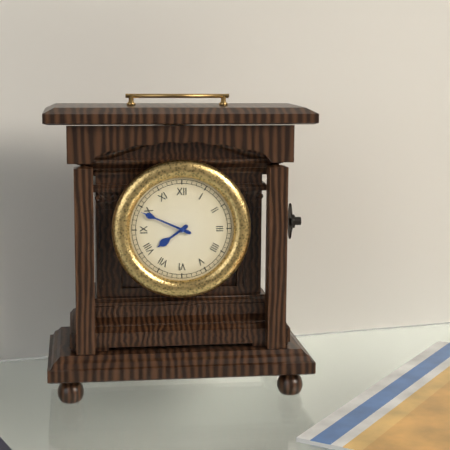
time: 7:49
